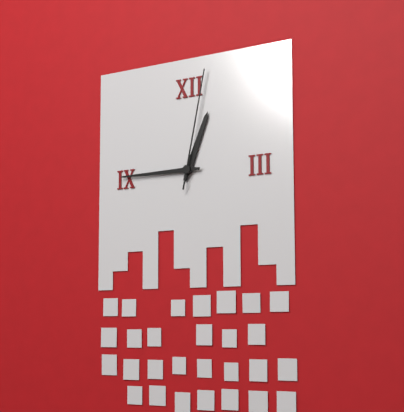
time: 12:45:02
